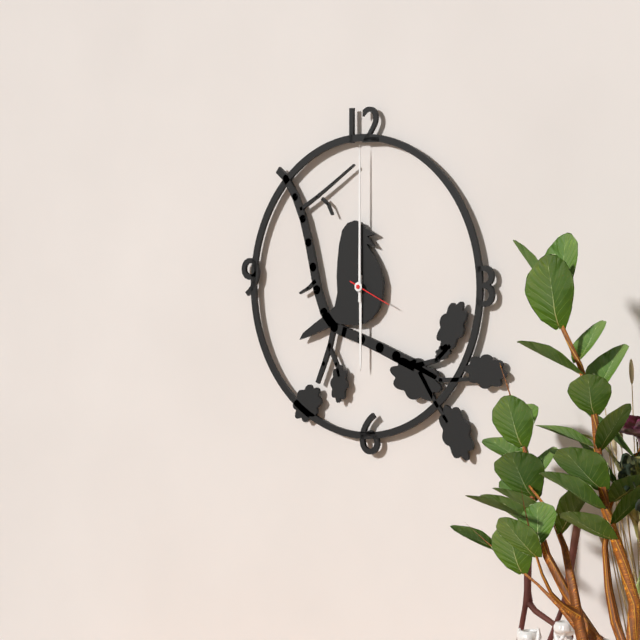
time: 6:00
